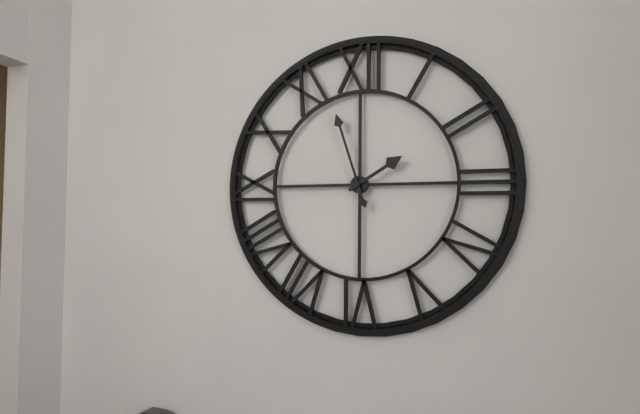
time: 1:57
